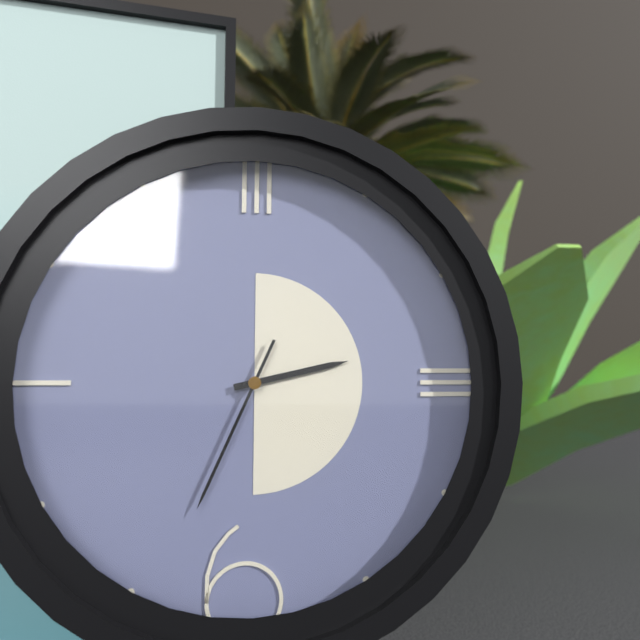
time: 2:34
